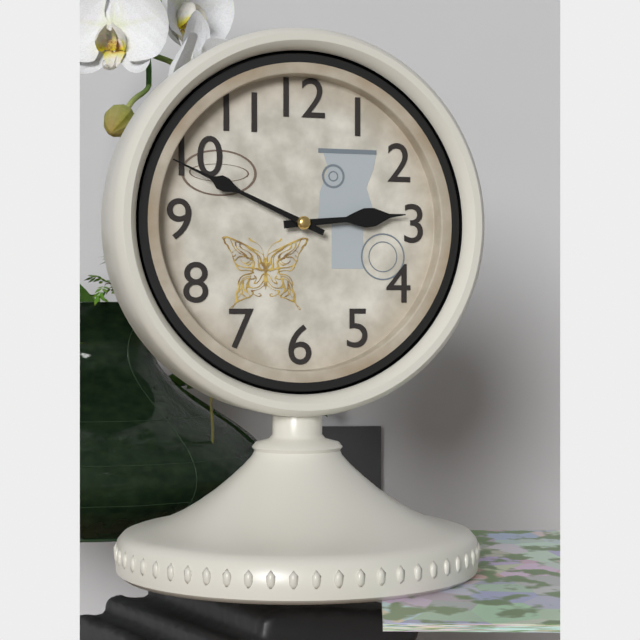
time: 2:49
